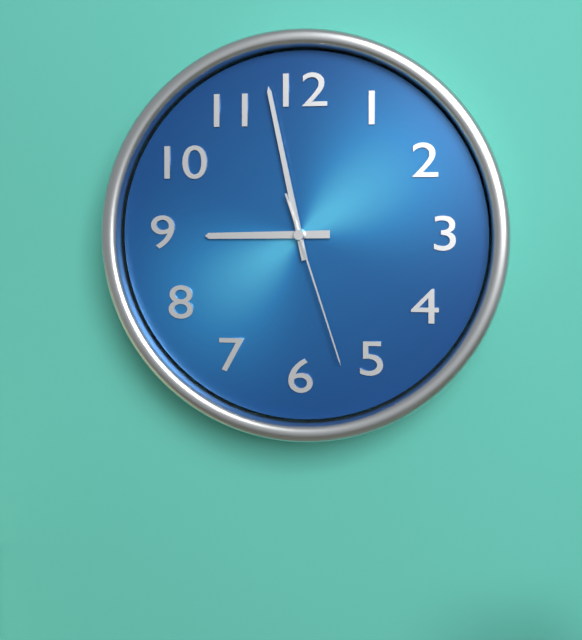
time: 8:58:27
